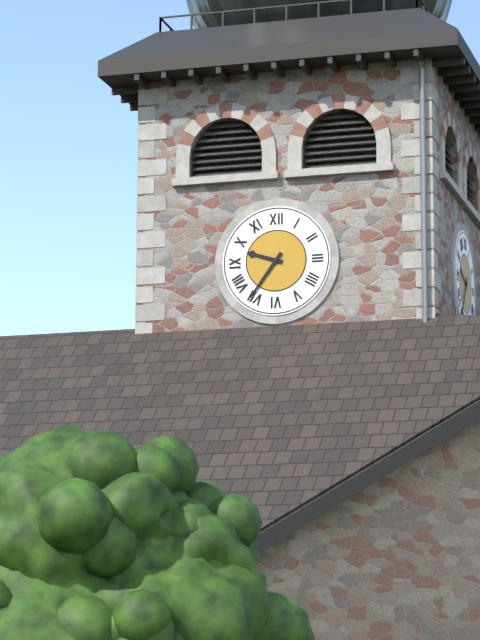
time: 9:36
